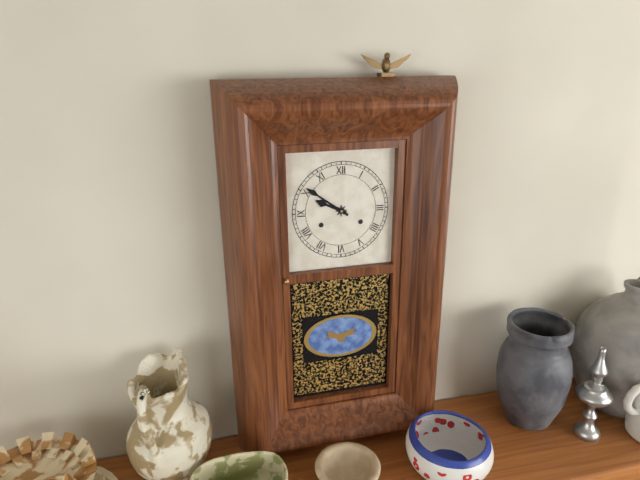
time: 9:51
